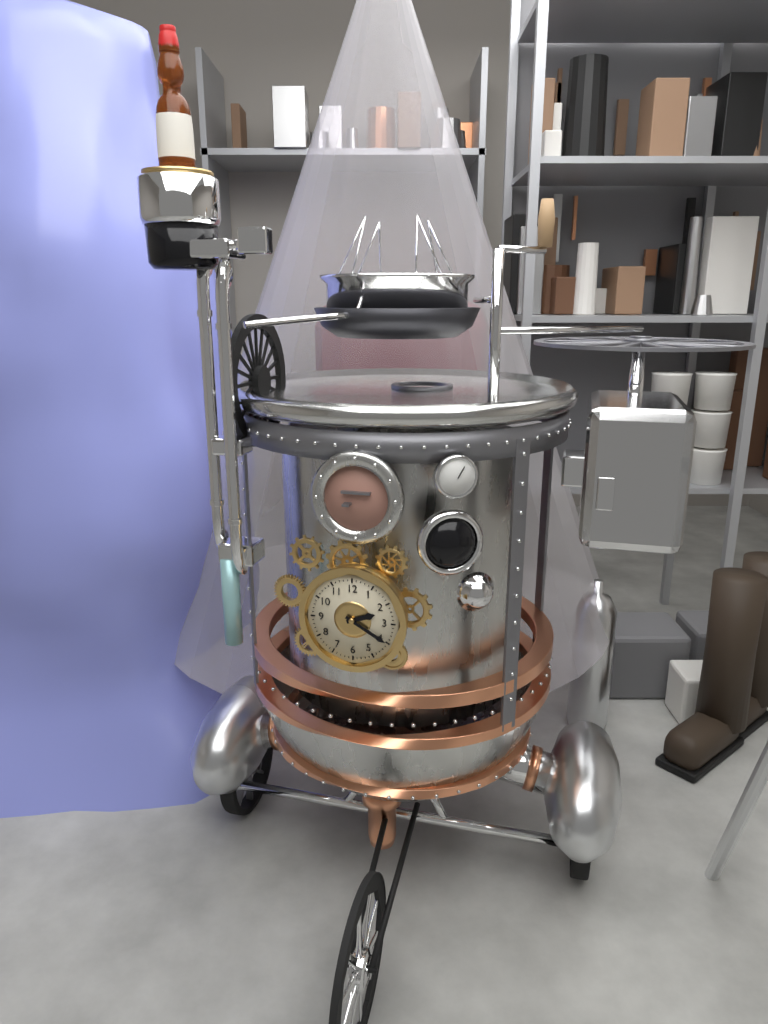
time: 2:20
